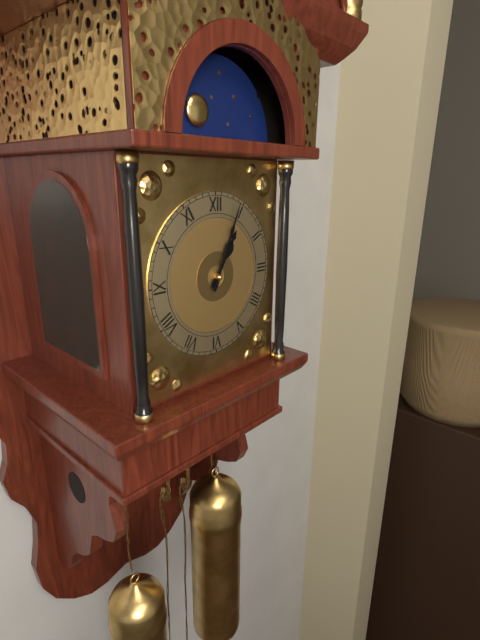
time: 1:04
